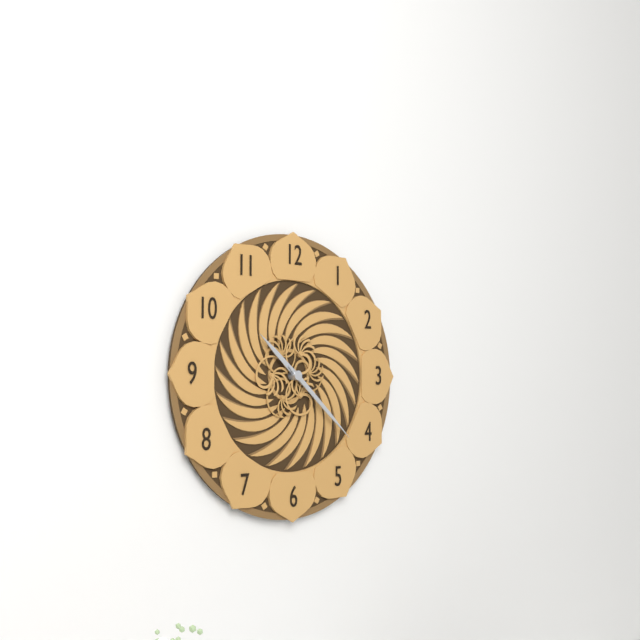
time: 10:22
